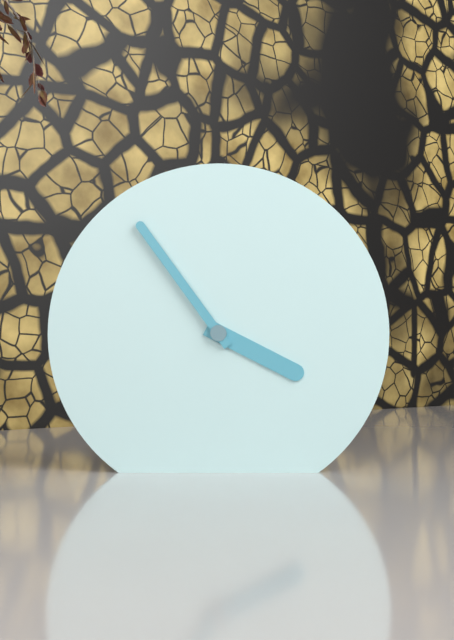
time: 3:54
